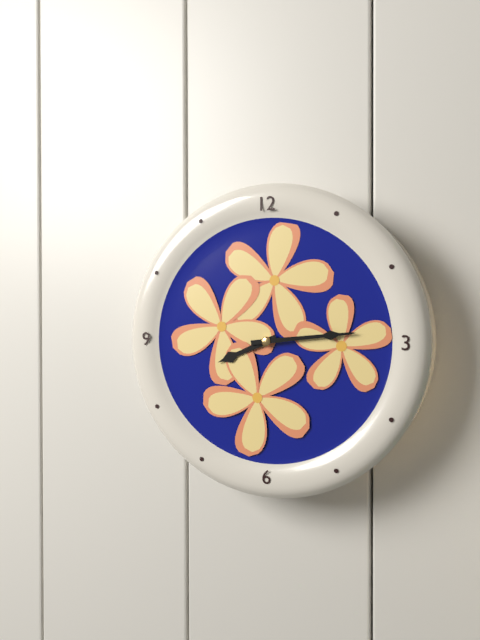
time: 8:14
